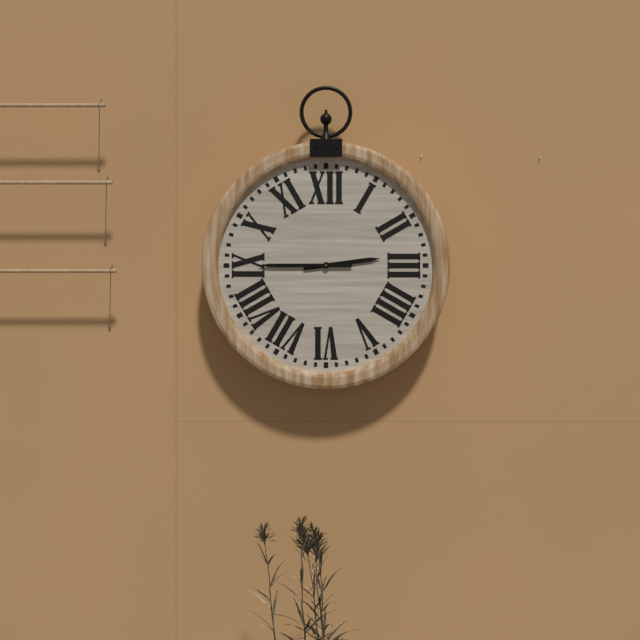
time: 2:45
